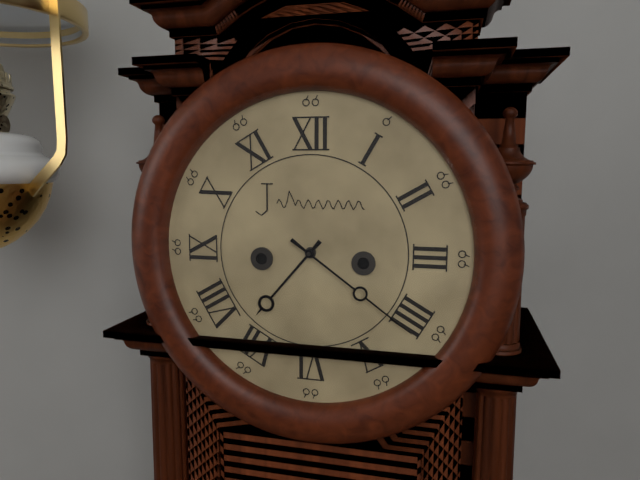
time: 7:21
